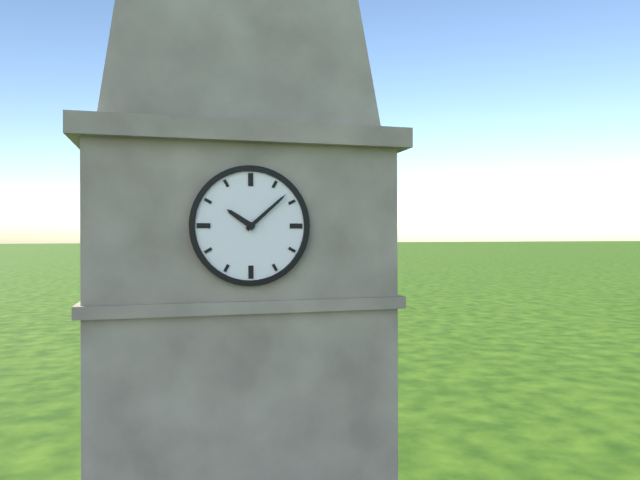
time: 10:08
